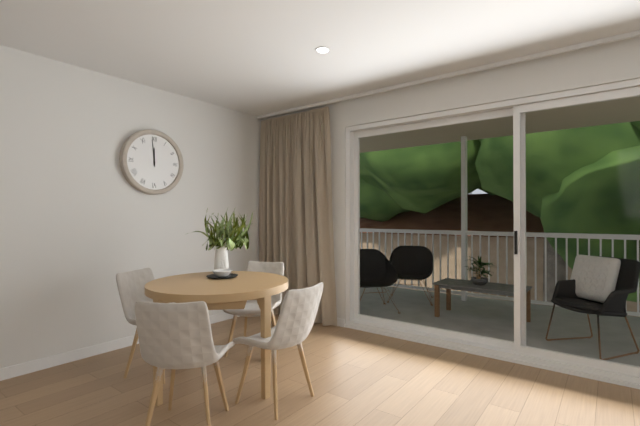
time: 11:59
